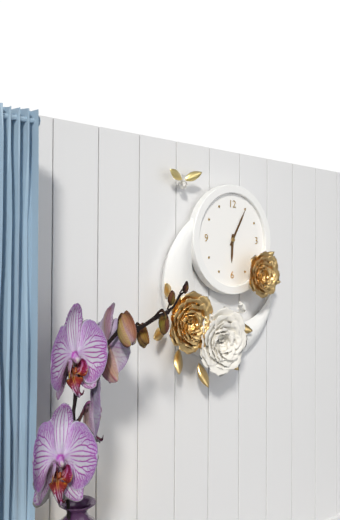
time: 6:05
